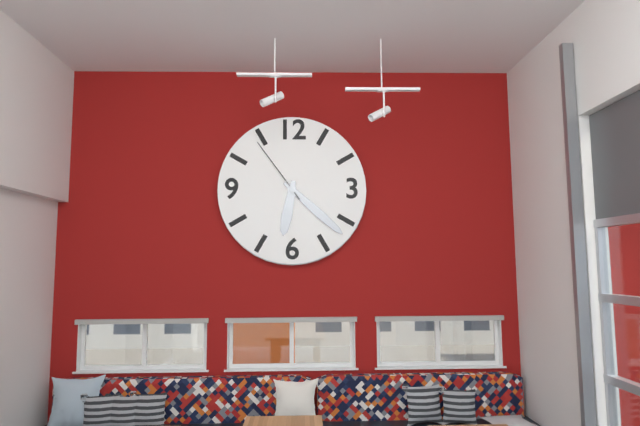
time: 6:22:54
